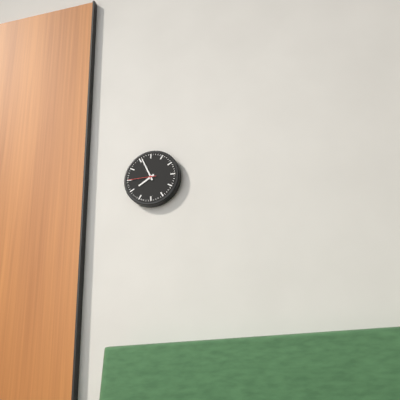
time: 7:56
